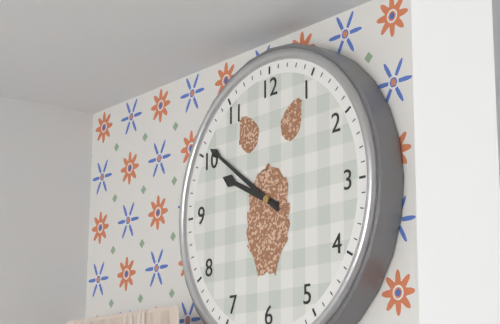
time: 9:51
